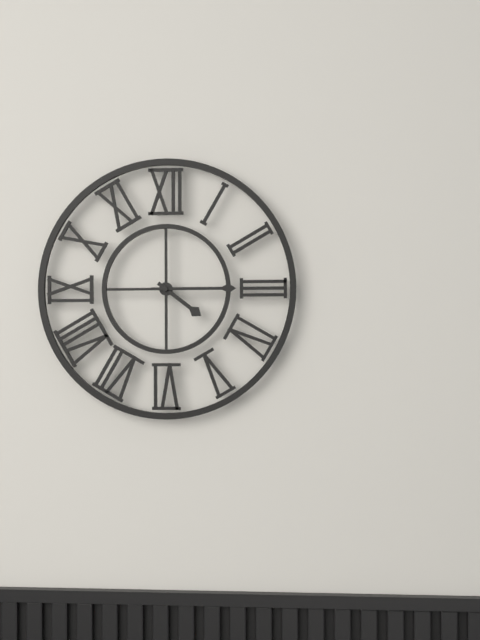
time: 4:15
